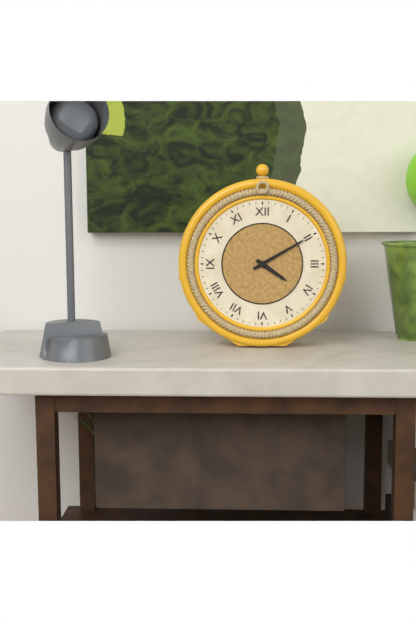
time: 4:10
